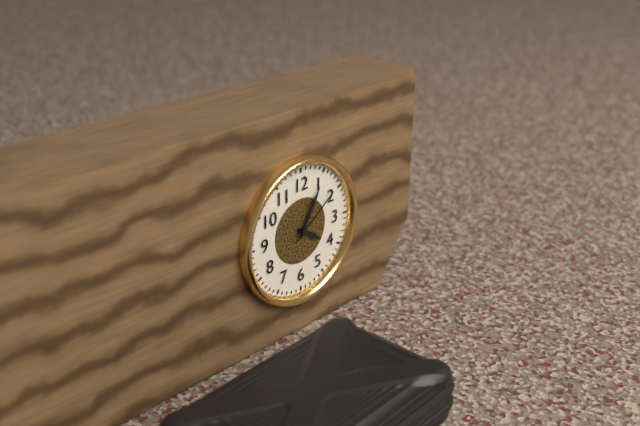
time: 4:05:09
